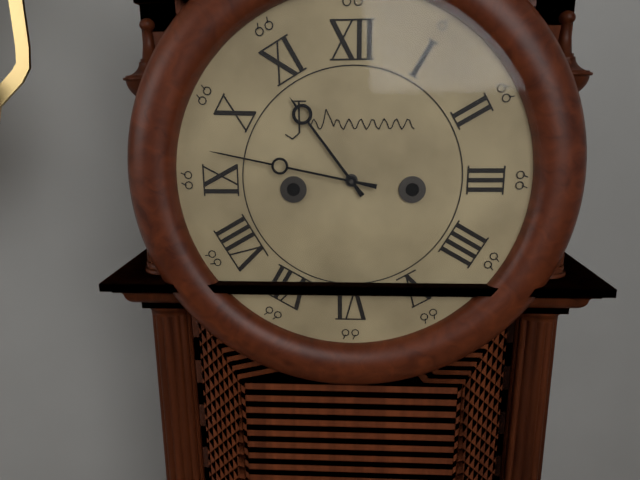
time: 10:47
